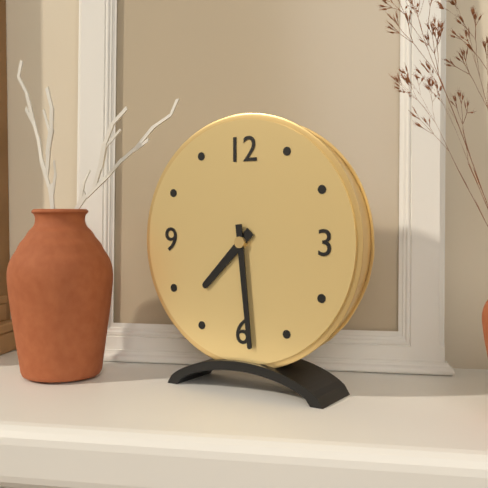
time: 7:29
